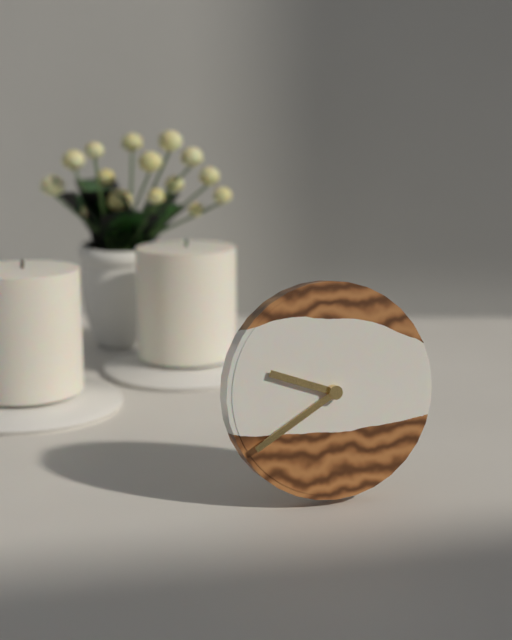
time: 9:40
